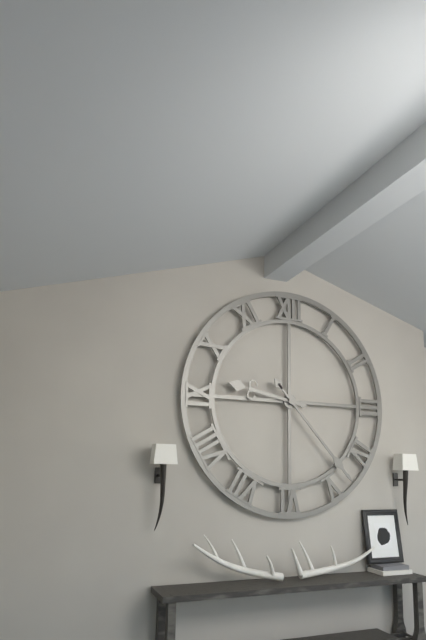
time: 9:23
